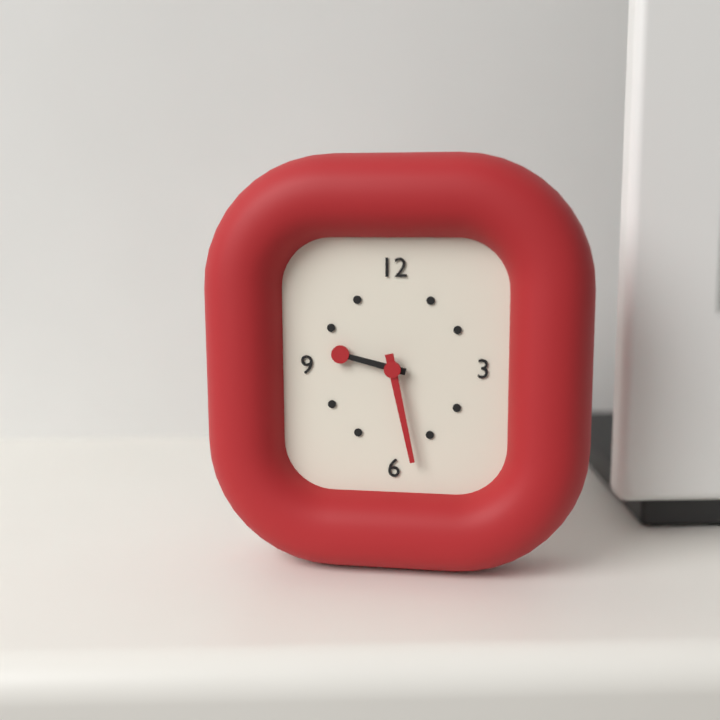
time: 9:28
